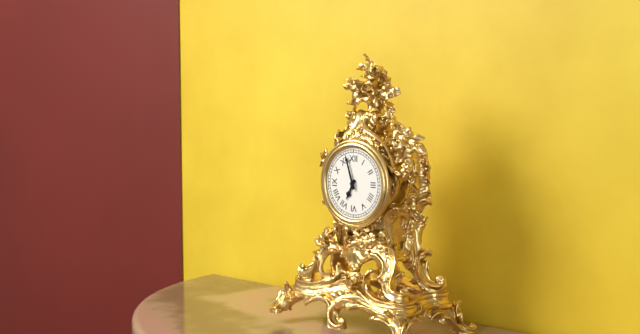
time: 6:57
